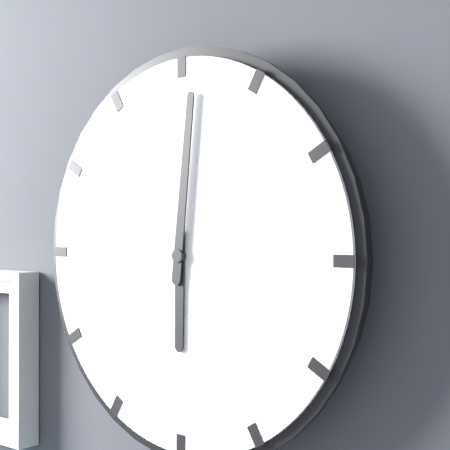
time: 6:01
